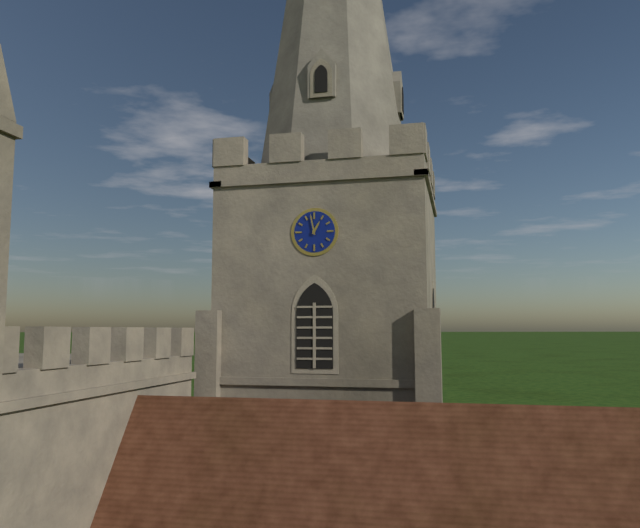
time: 12:58
